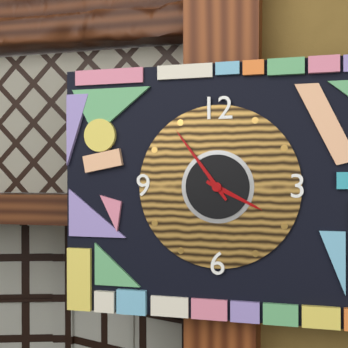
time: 3:54
